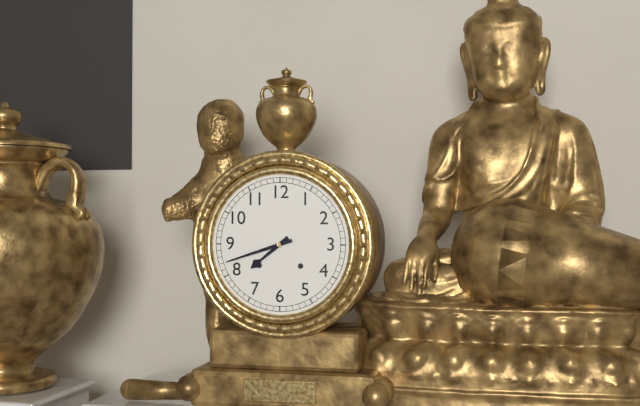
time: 7:42
